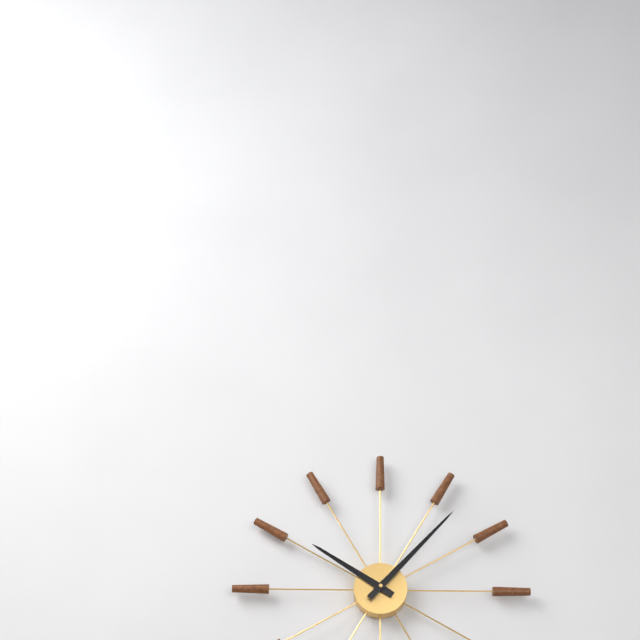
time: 10:07
